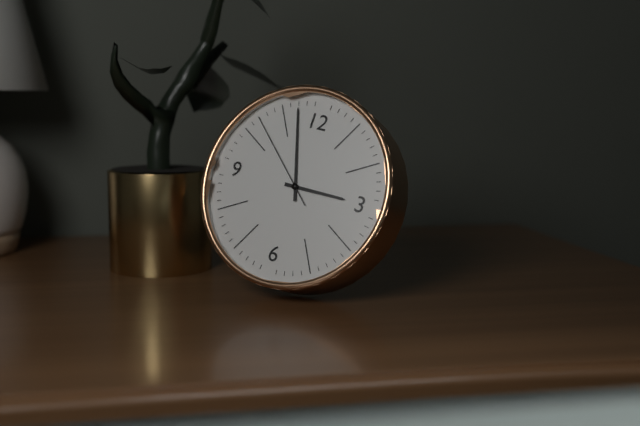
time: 2:57:52
